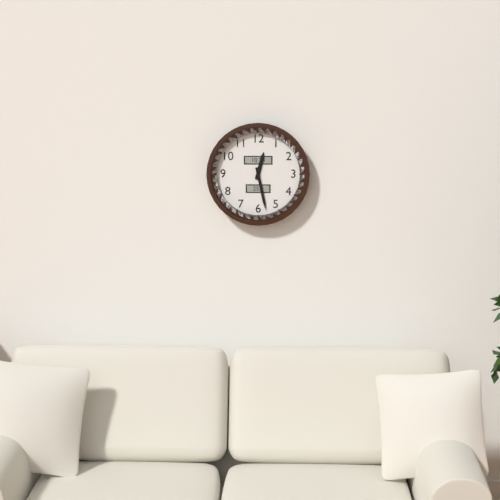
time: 12:28
